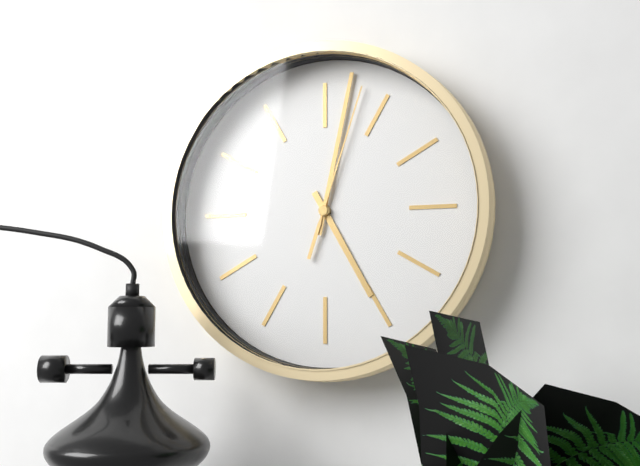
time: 5:02:03
